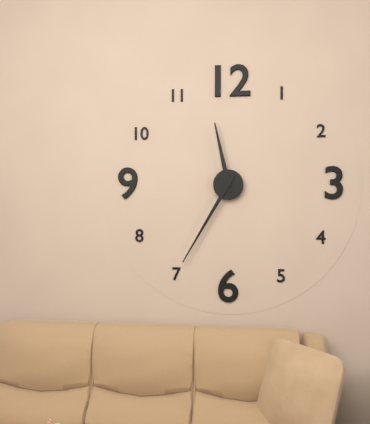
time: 11:35
